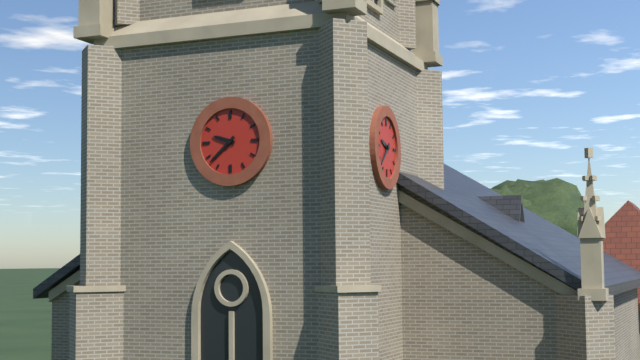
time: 9:38
